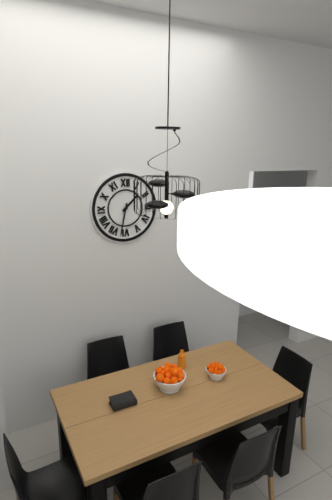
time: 1:32
